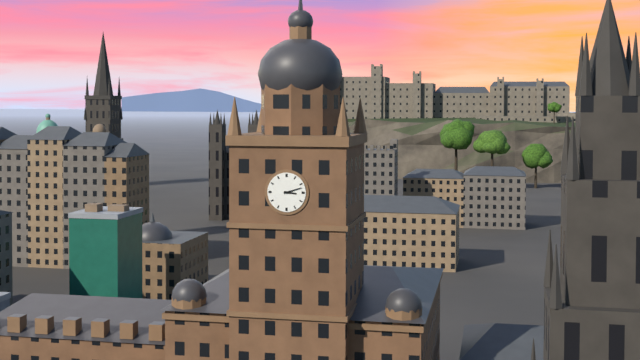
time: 3:12
